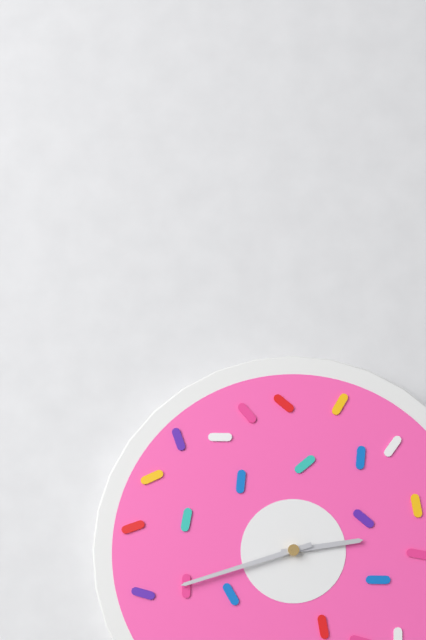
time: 2:42
